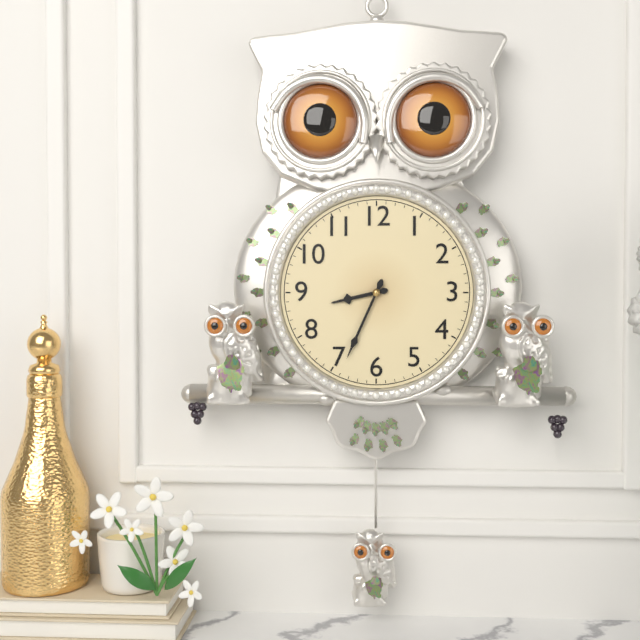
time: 8:34
